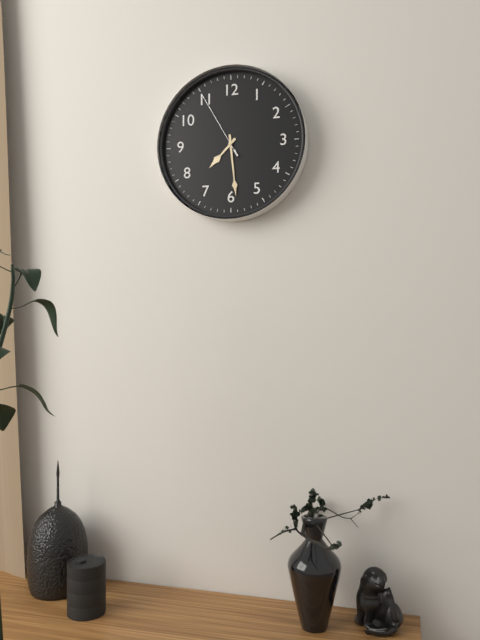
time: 7:29:55
